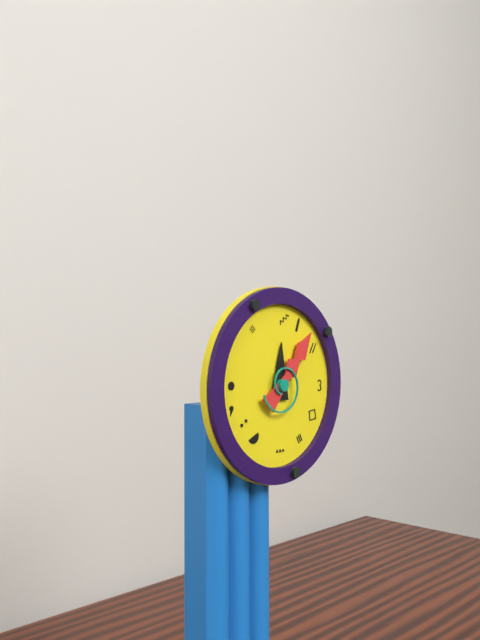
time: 12:07
